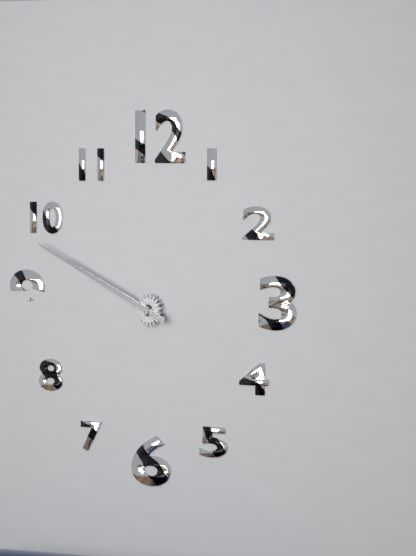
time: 9:49
